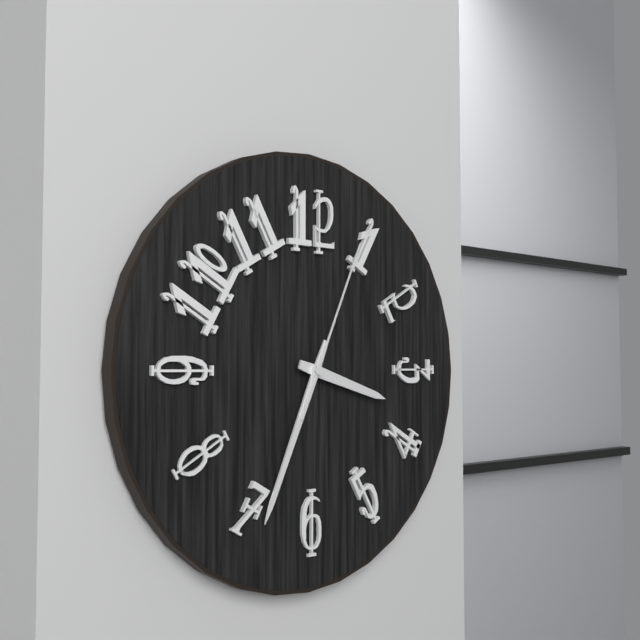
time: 3:34:04
